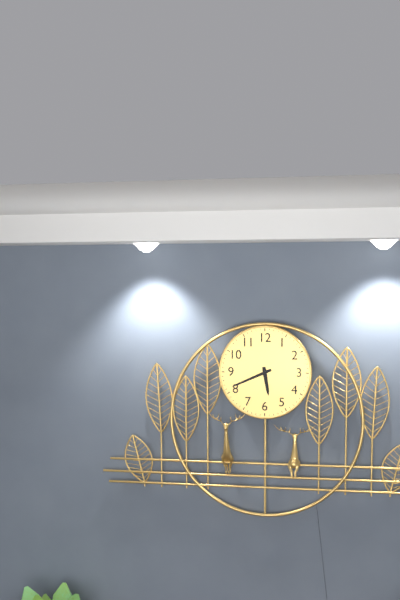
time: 5:41
